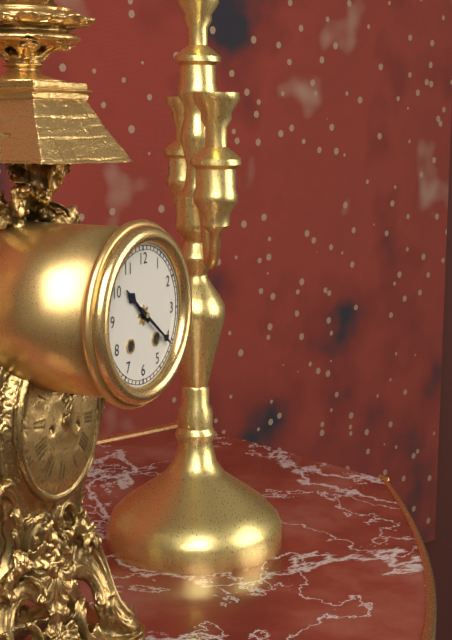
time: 10:21
